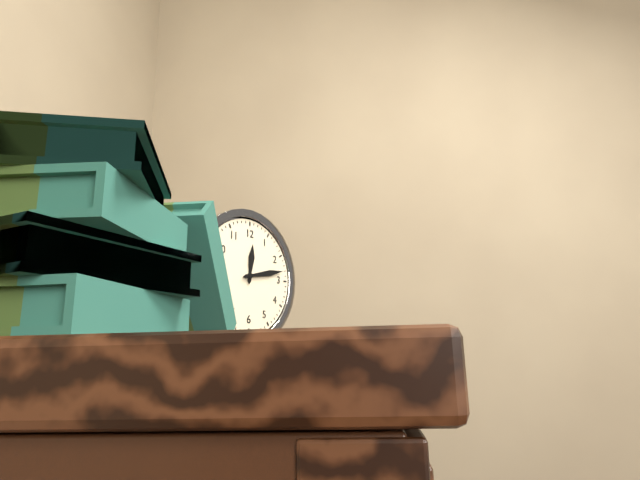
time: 12:13
